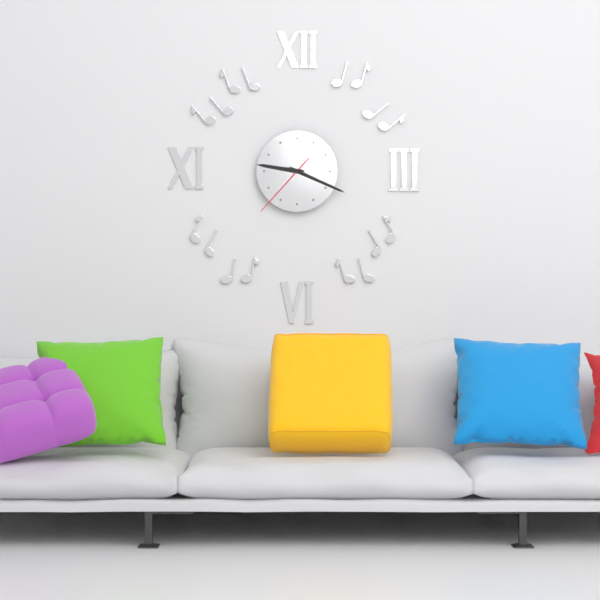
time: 9:19:37
